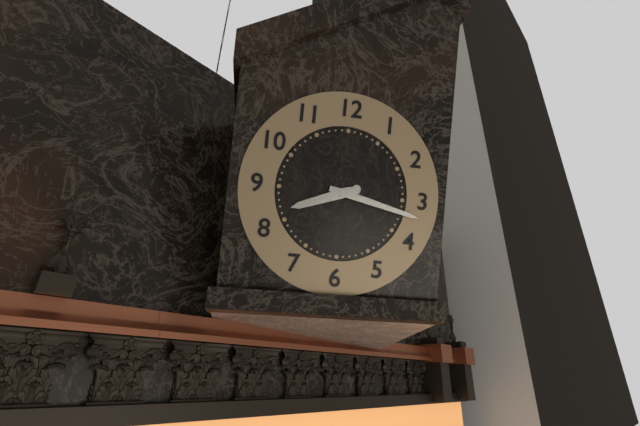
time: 8:17
